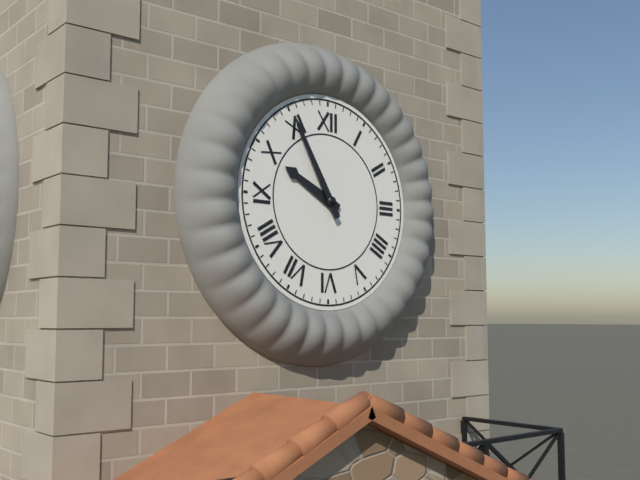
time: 9:55
